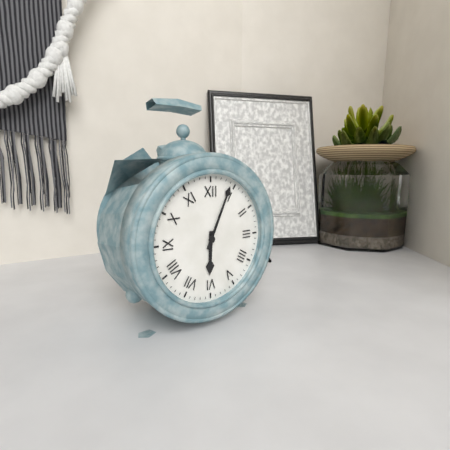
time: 6:04
